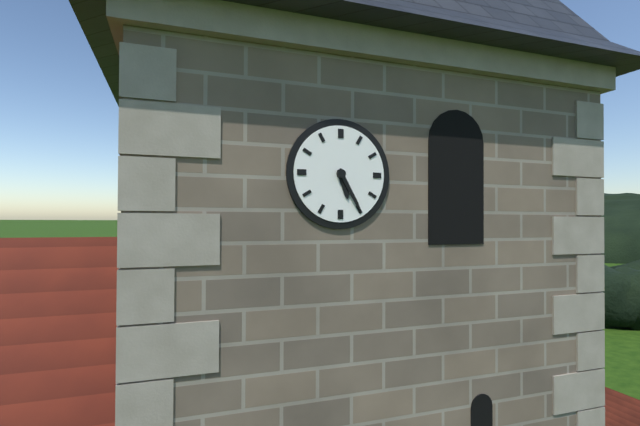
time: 5:25
